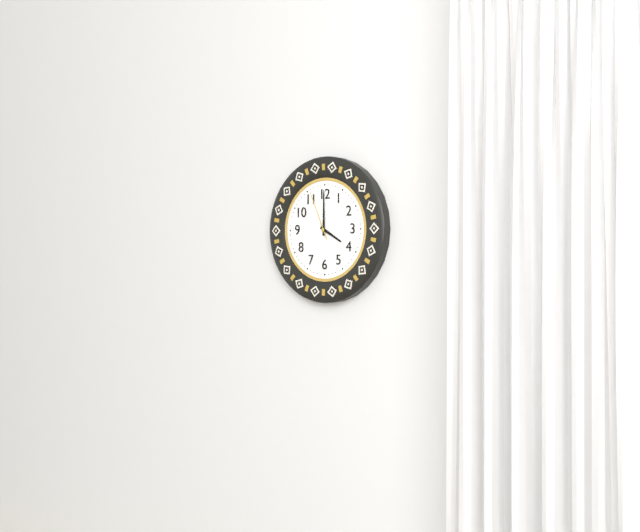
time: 4:00:56
